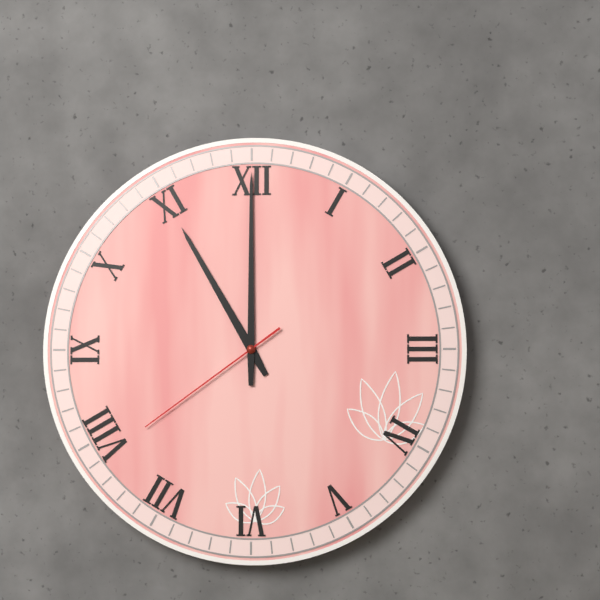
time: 11:00:39
